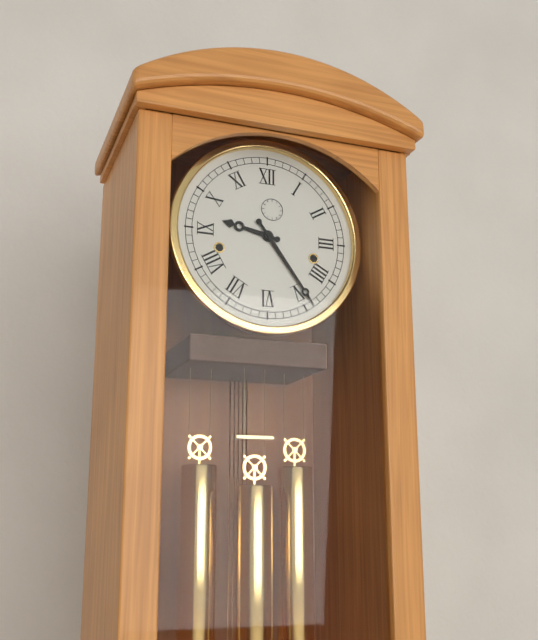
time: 9:24
